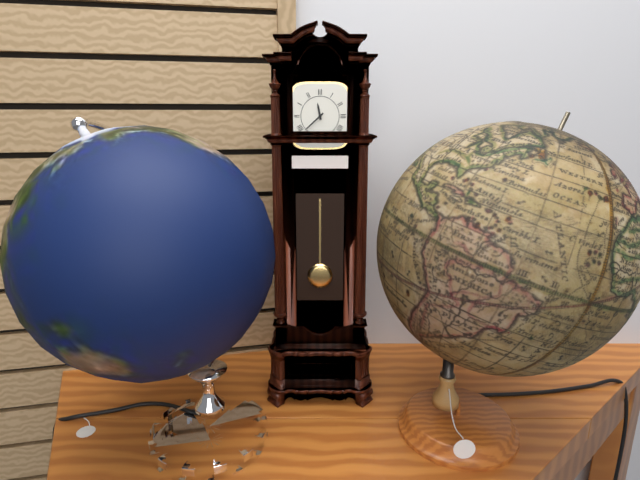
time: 11:38
